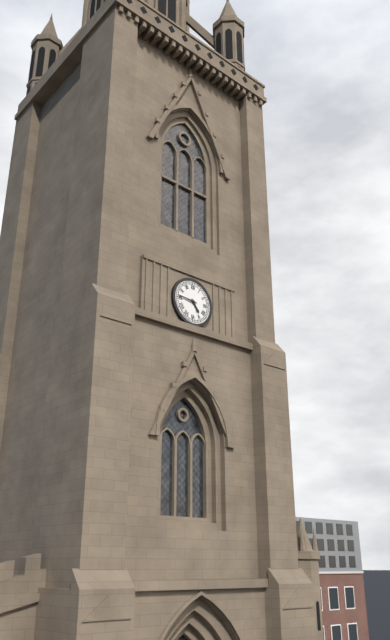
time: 4:46
